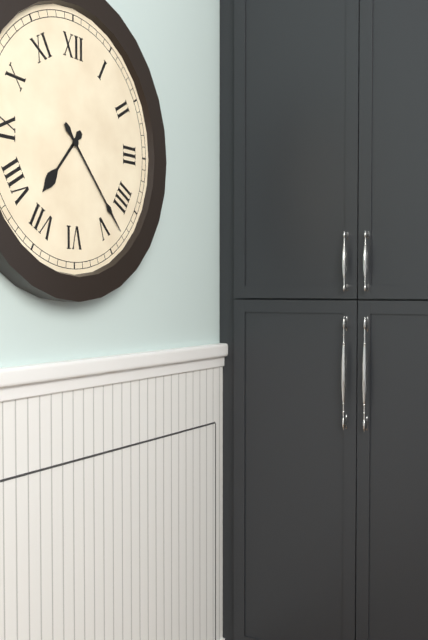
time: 7:23
